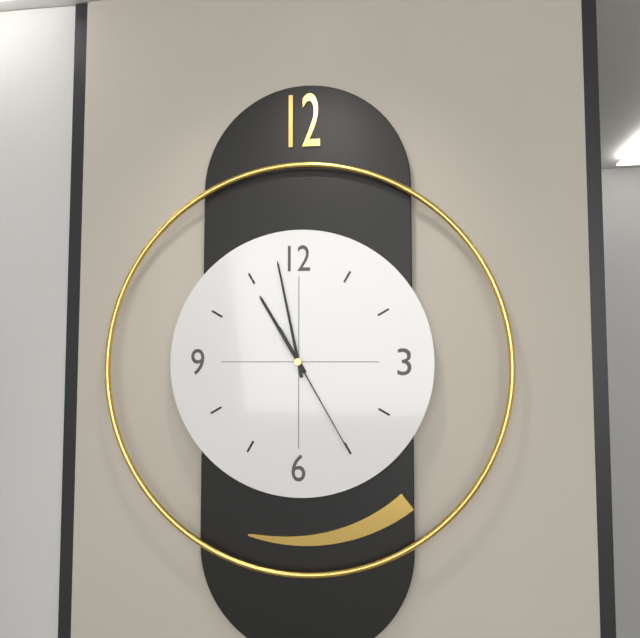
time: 10:58:25
